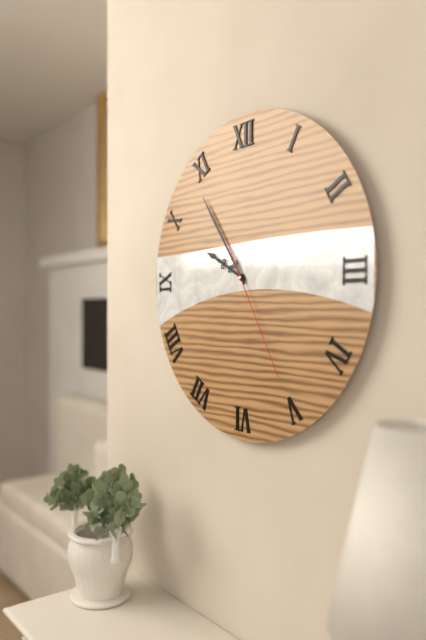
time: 9:54:25
